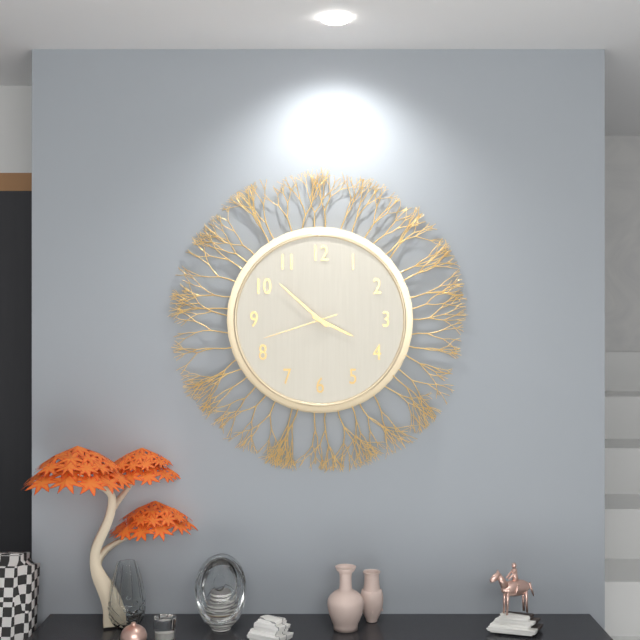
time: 3:52:42
